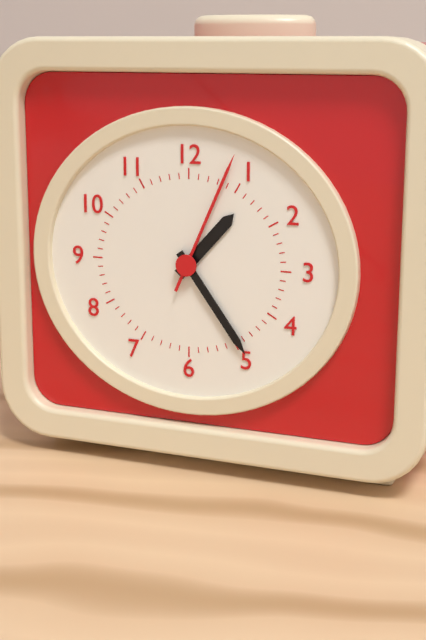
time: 1:24:04
